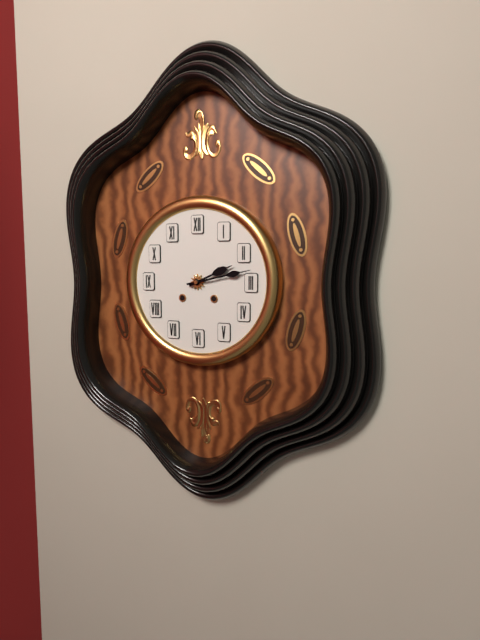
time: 2:13
